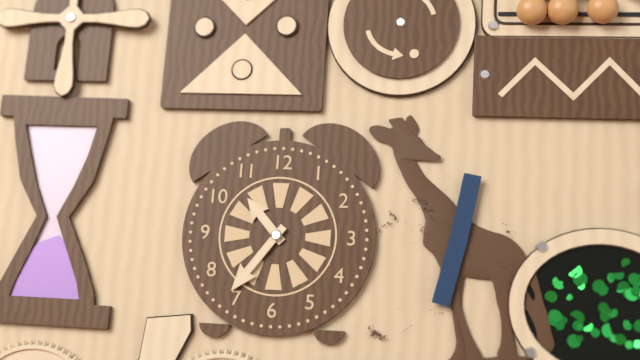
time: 10:36
